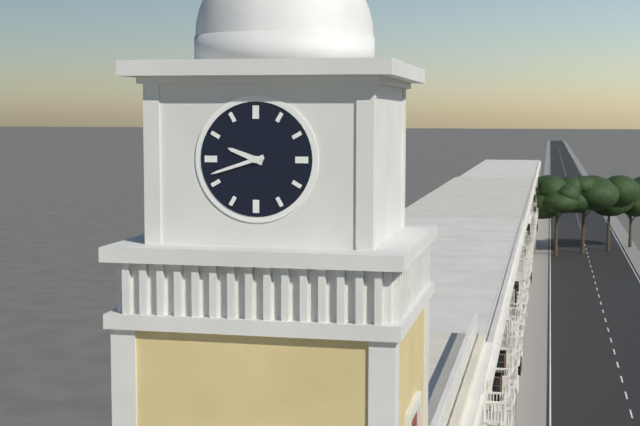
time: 9:42
